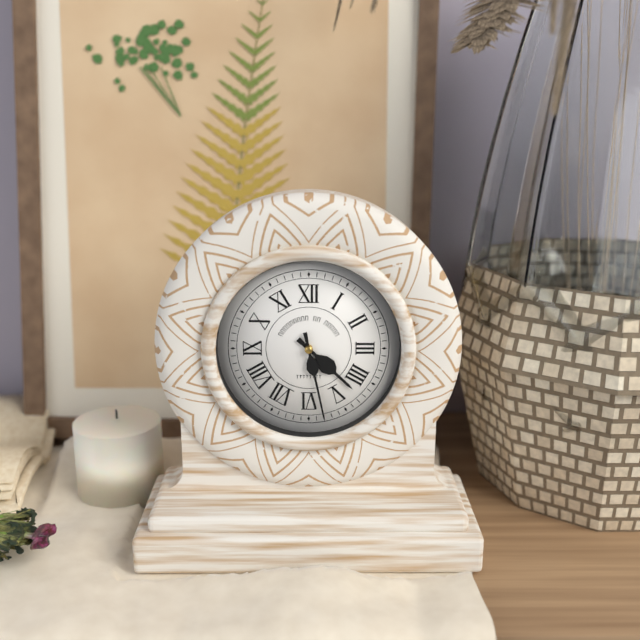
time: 4:28
